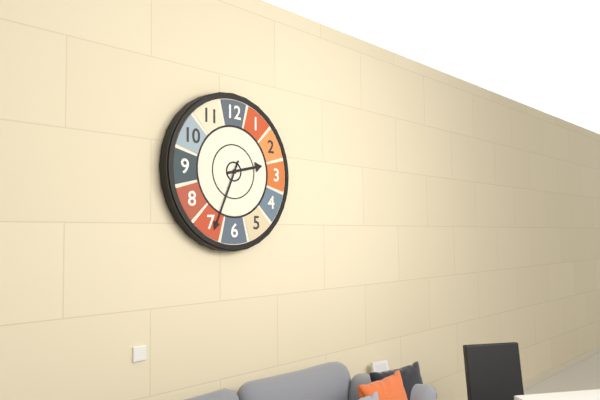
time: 2:34
